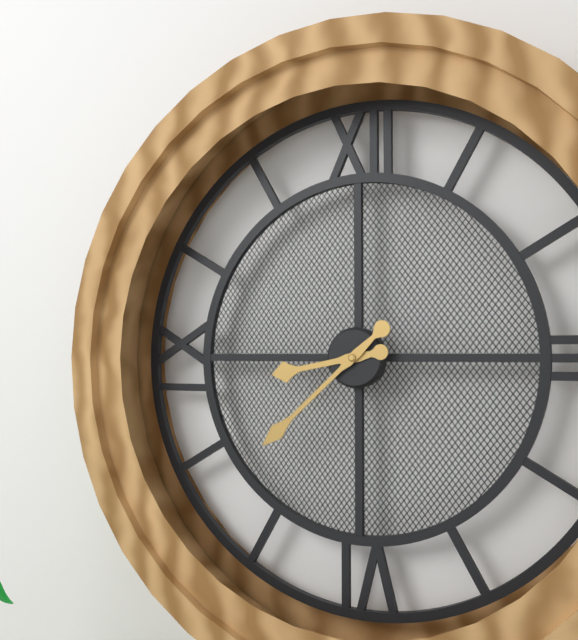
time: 8:38
